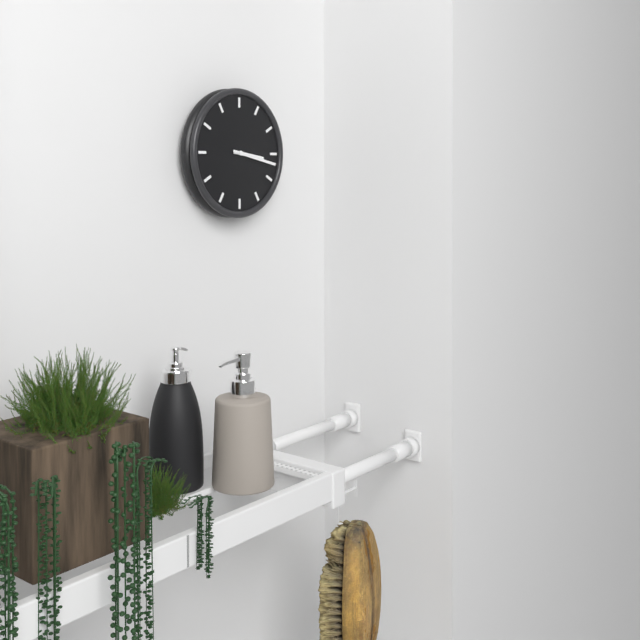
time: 3:17
